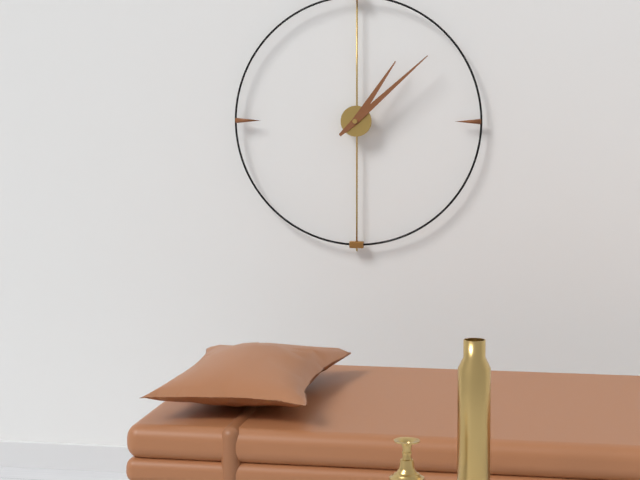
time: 1:08
